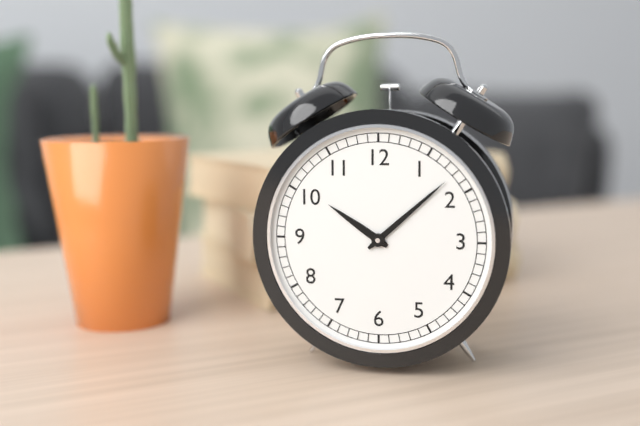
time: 10:08
